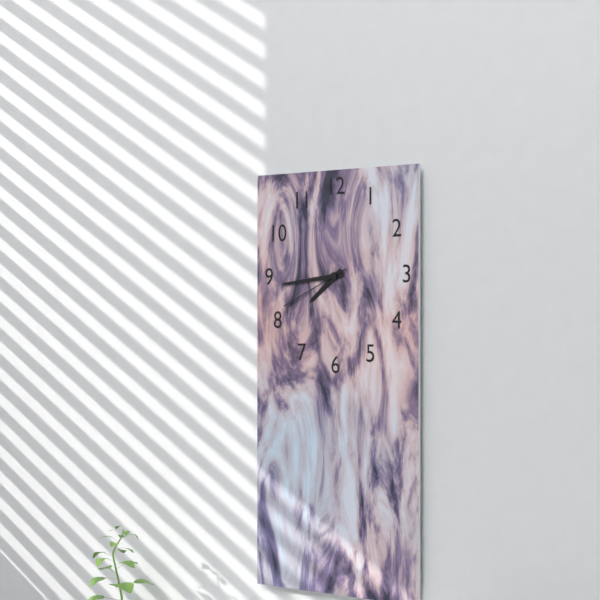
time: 7:44:41
